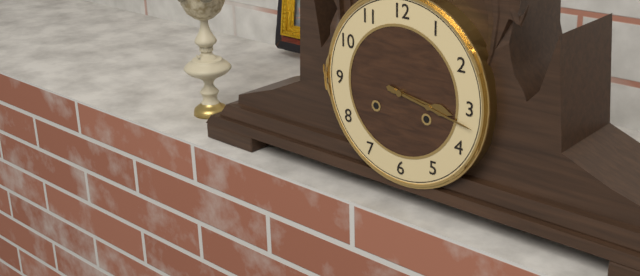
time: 3:17
